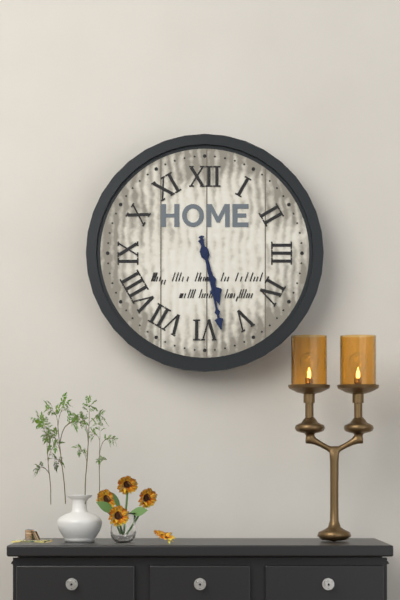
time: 5:28
